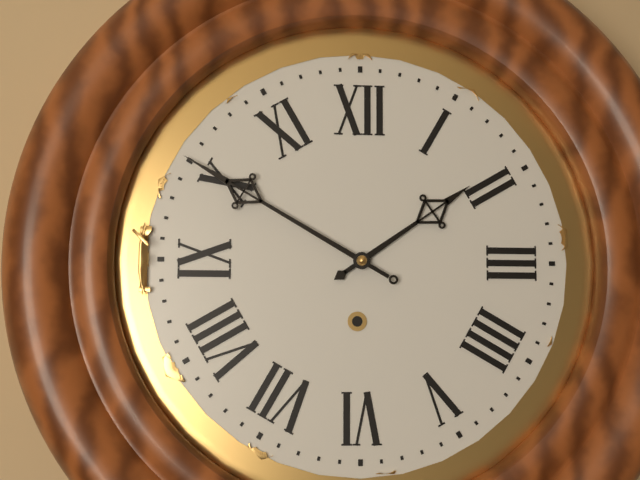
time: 1:50
